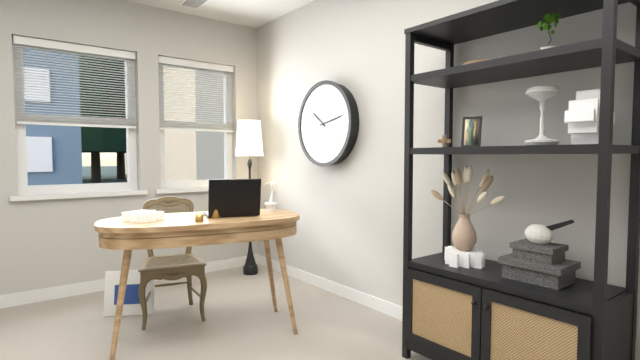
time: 10:13
